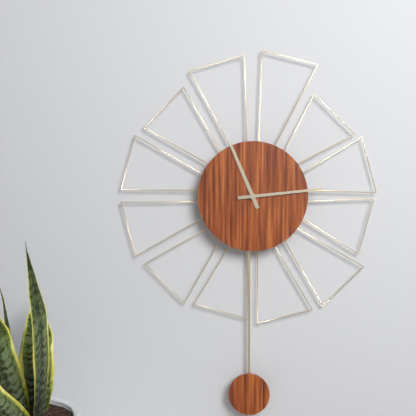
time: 11:14
